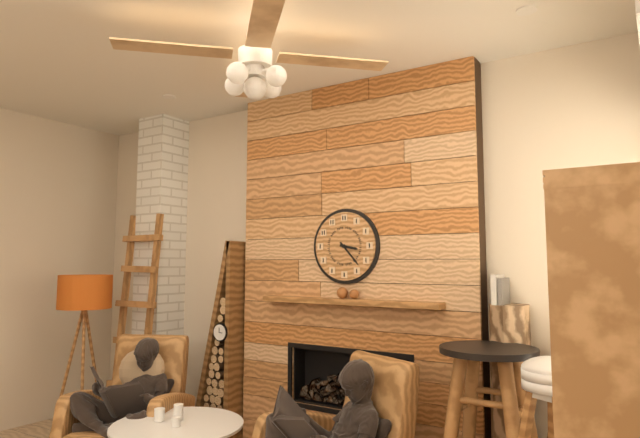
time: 3:23
